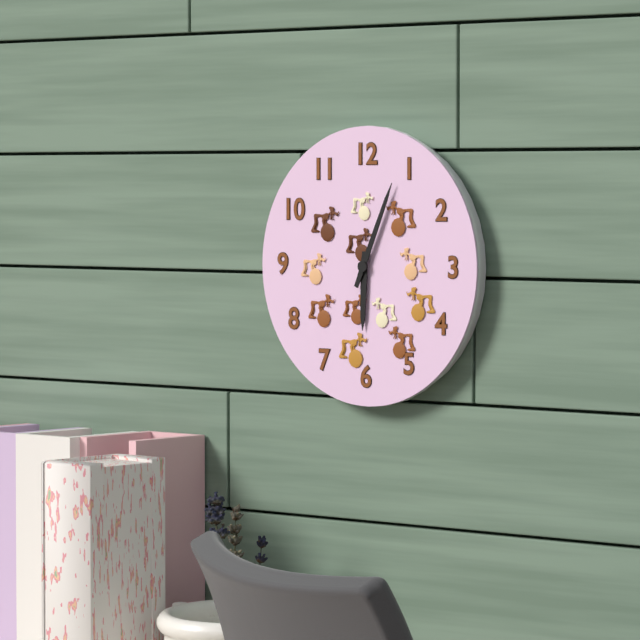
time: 6:04
